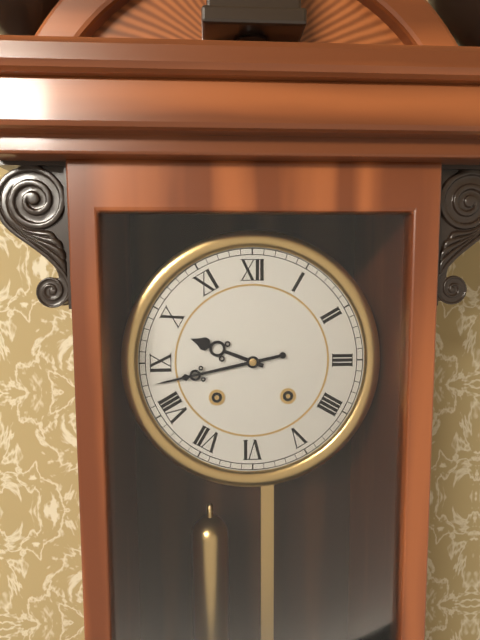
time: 9:43
